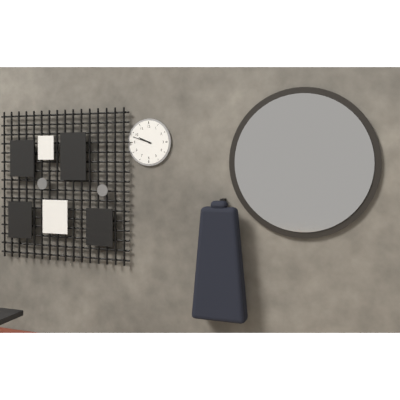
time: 9:48
